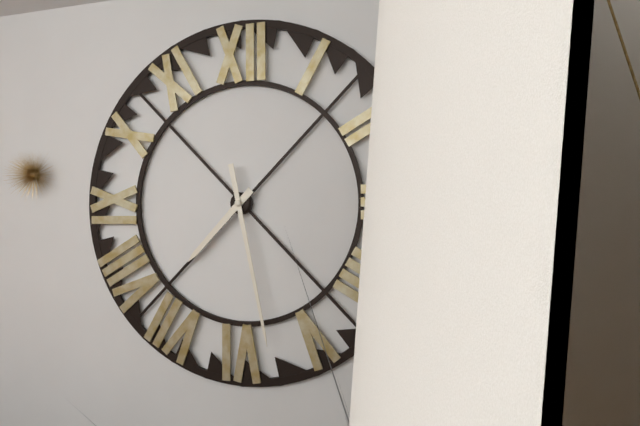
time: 7:28
